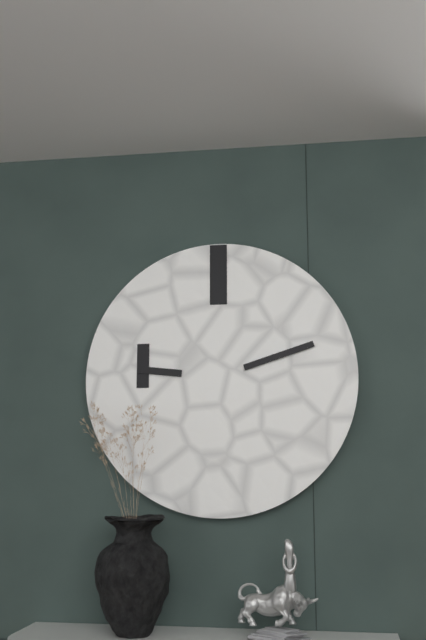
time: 9:12
